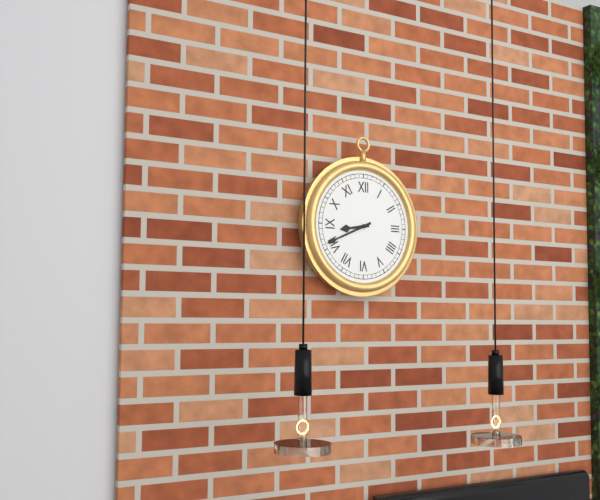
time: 8:41
